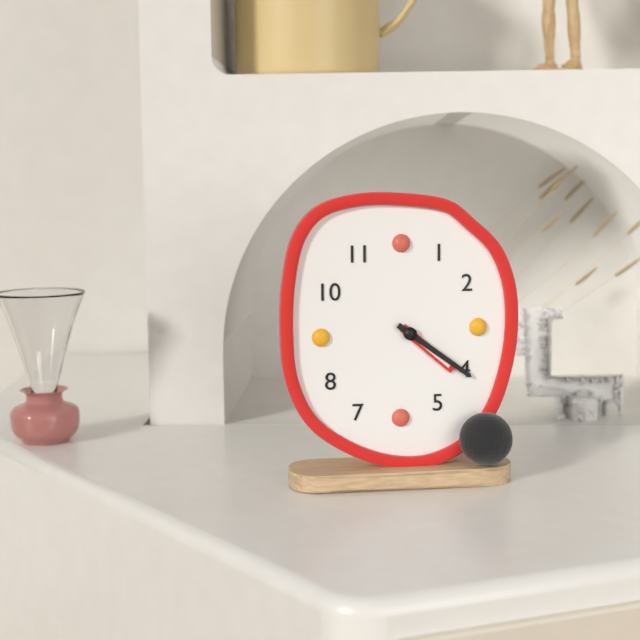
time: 4:21
